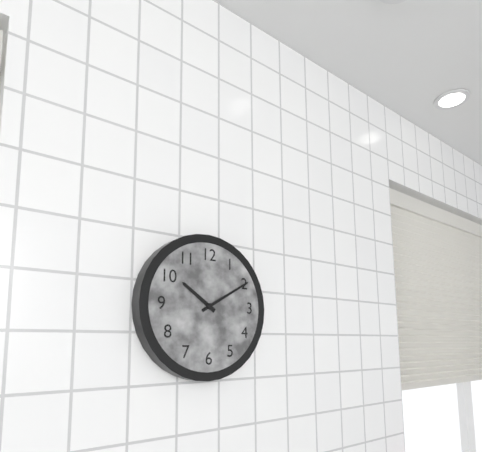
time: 10:10
